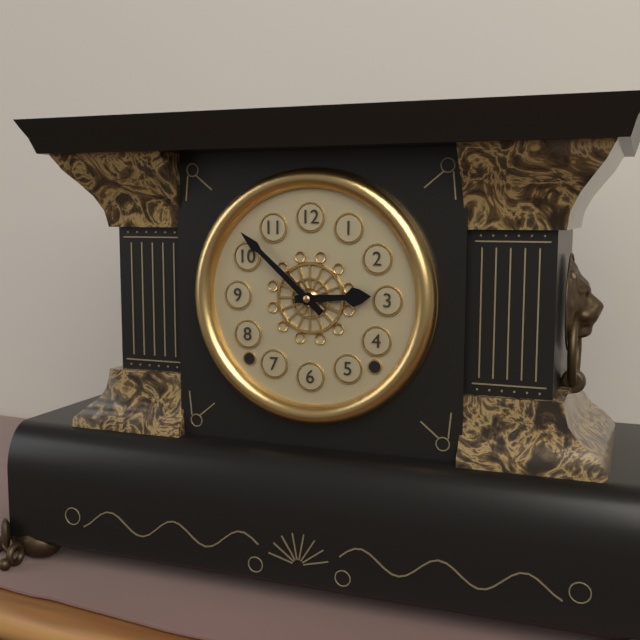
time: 2:52
